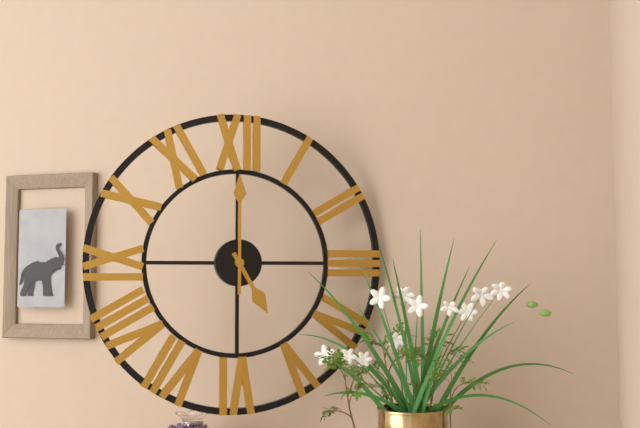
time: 5:00
